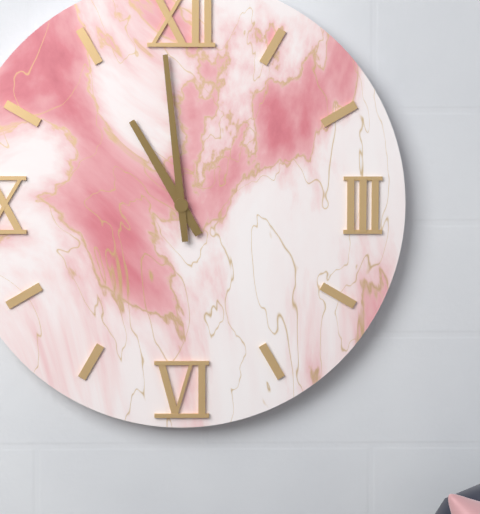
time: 10:59
